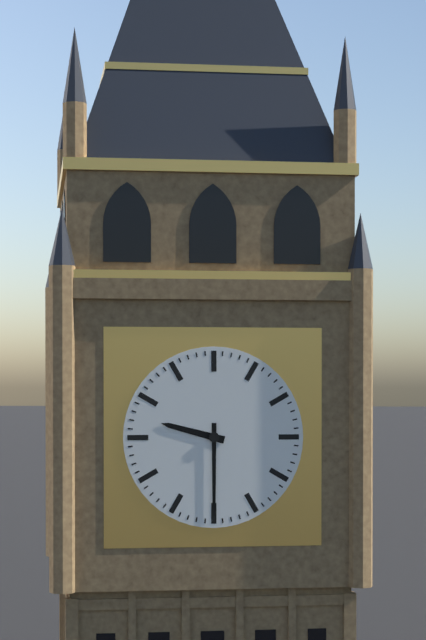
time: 9:30
